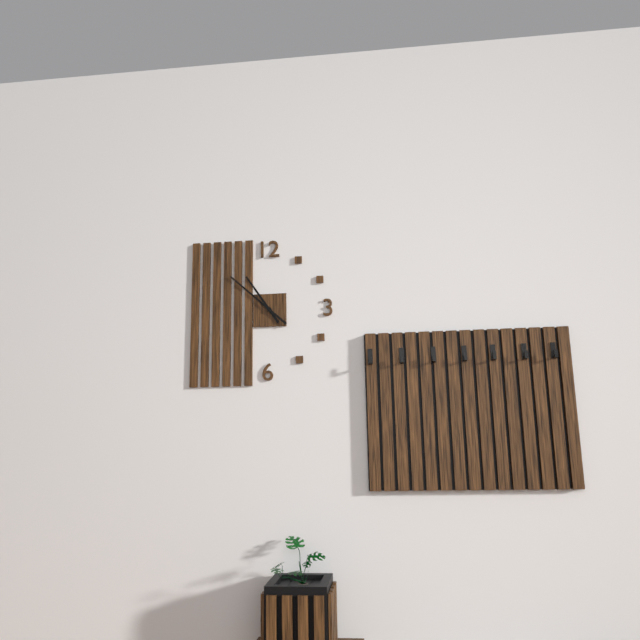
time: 10:52
